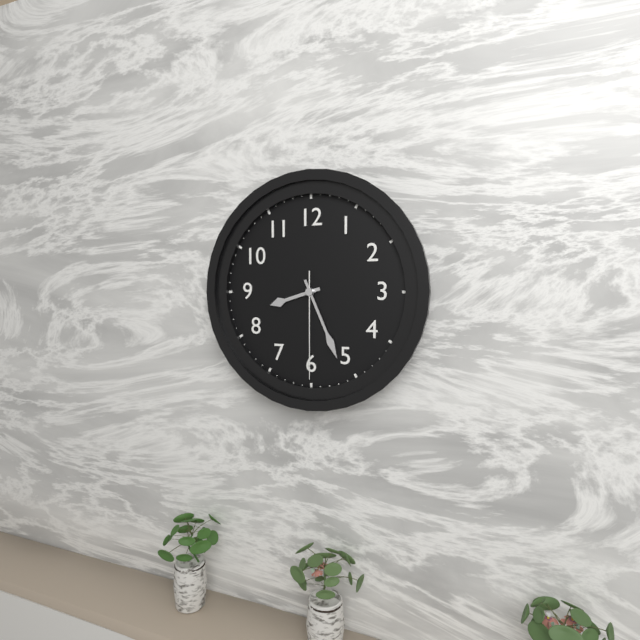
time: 8:26:30
